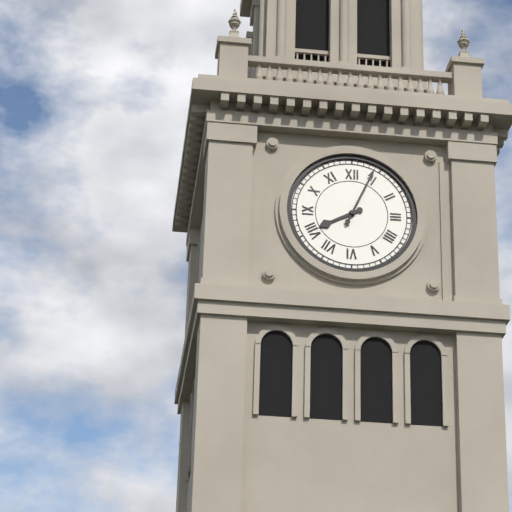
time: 8:04
